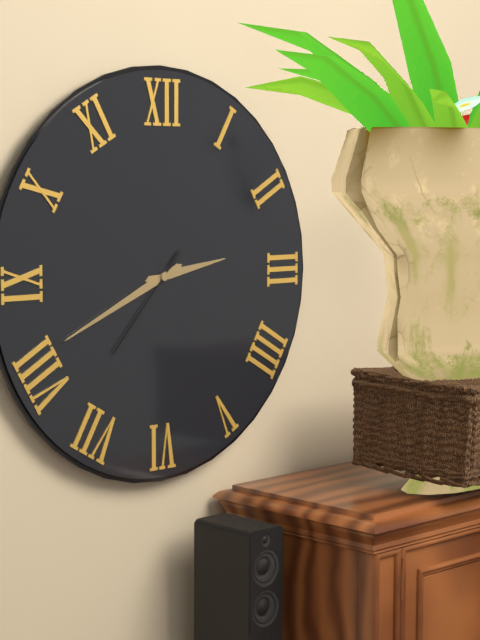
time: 2:41:37
